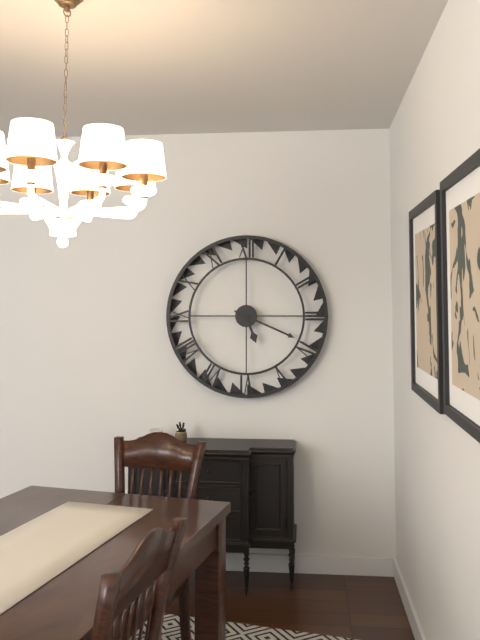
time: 5:19
